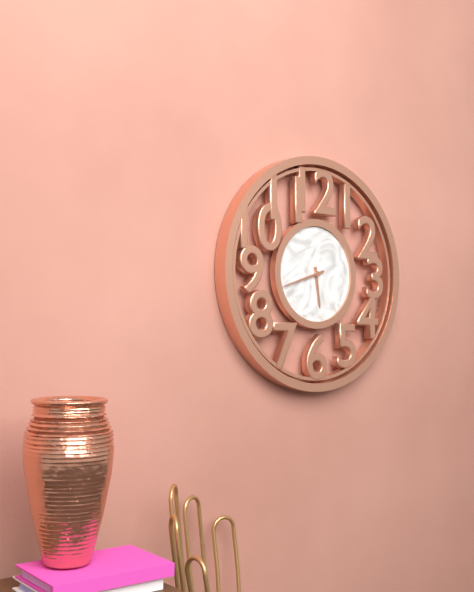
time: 5:42
